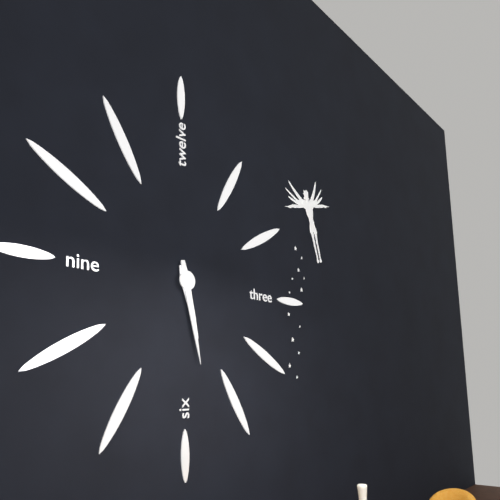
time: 5:28
